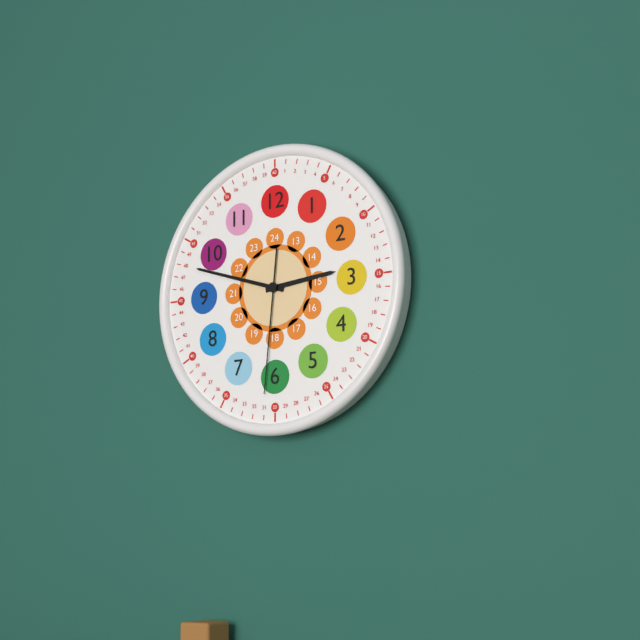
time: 2:48:31
